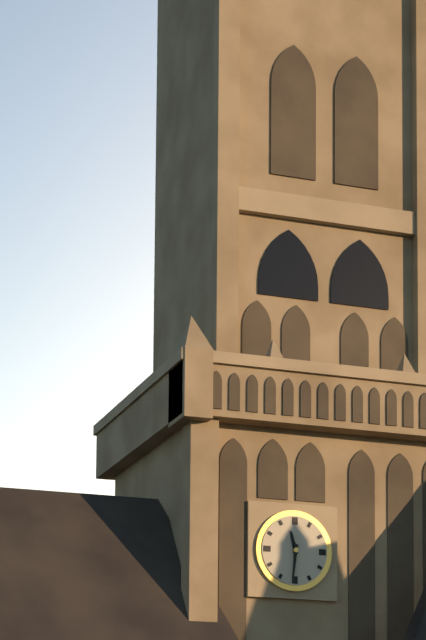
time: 11:31
